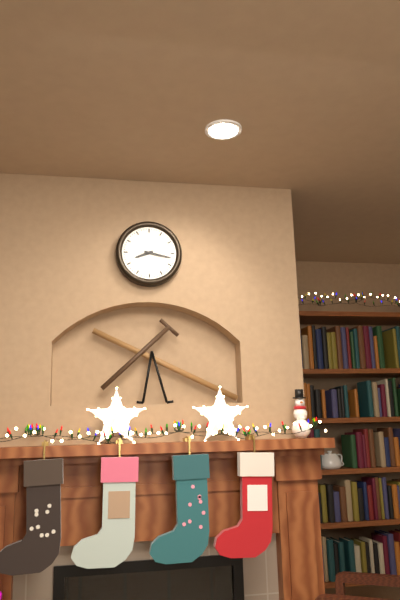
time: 8:17
